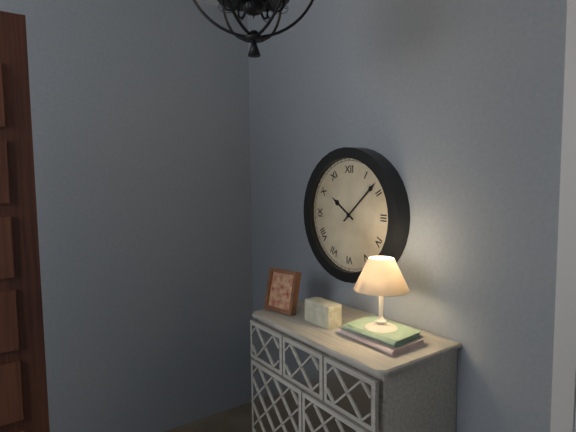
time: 10:08
